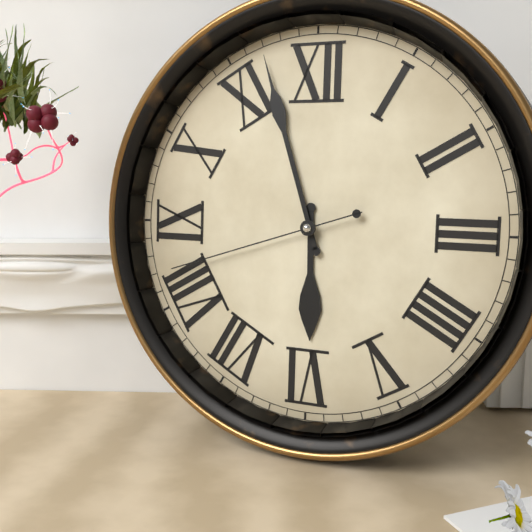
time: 5:57:42
